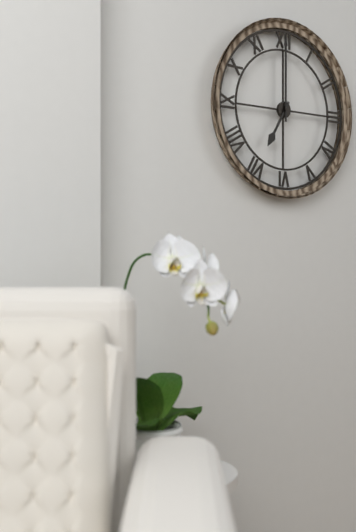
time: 7:00
